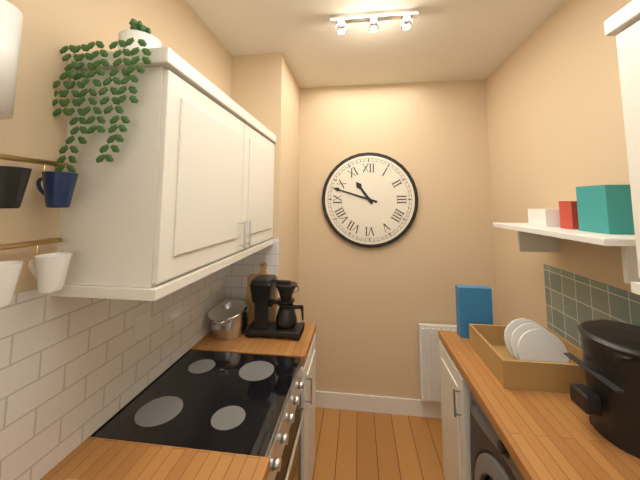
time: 10:48
